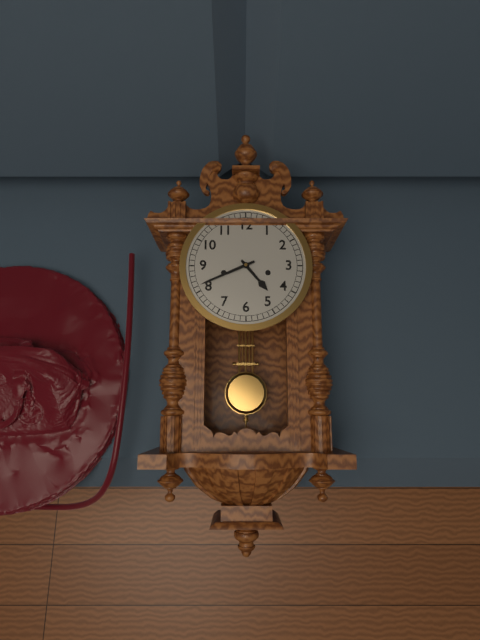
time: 4:41
